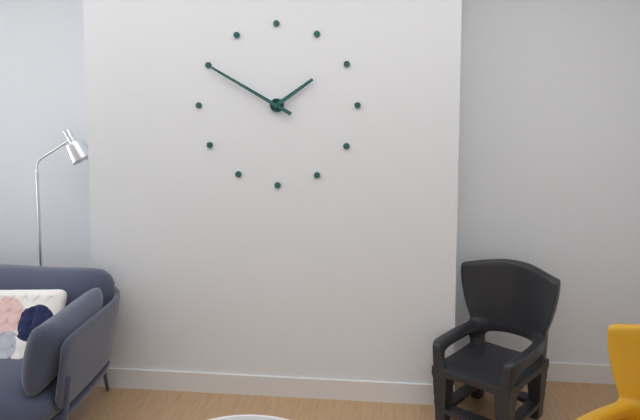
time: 1:50
